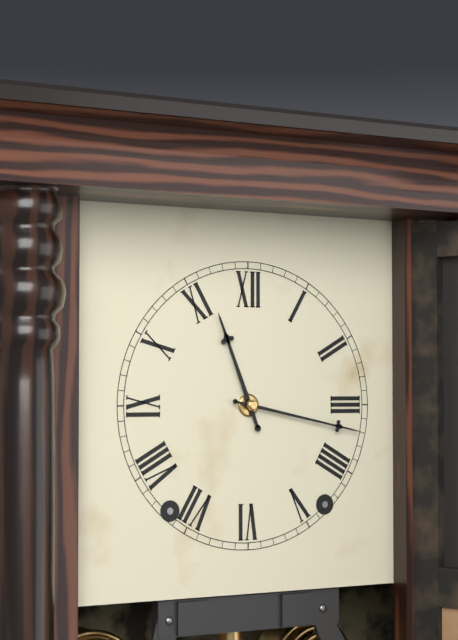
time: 11:17
